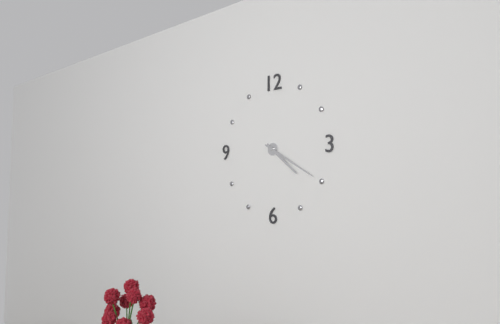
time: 4:20
